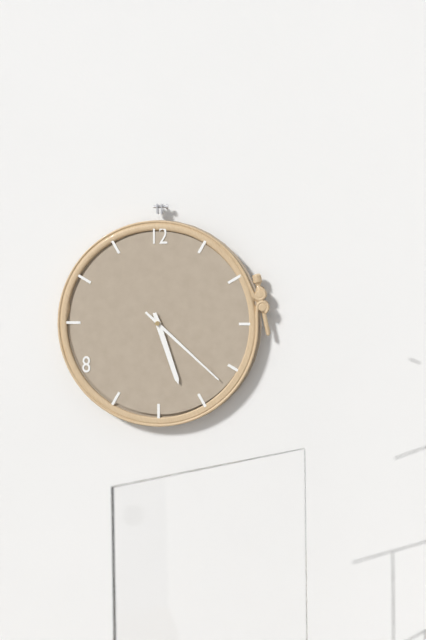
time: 5:22
